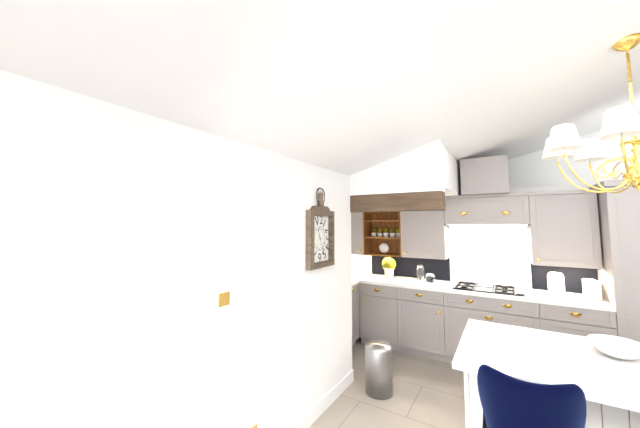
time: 11:26
